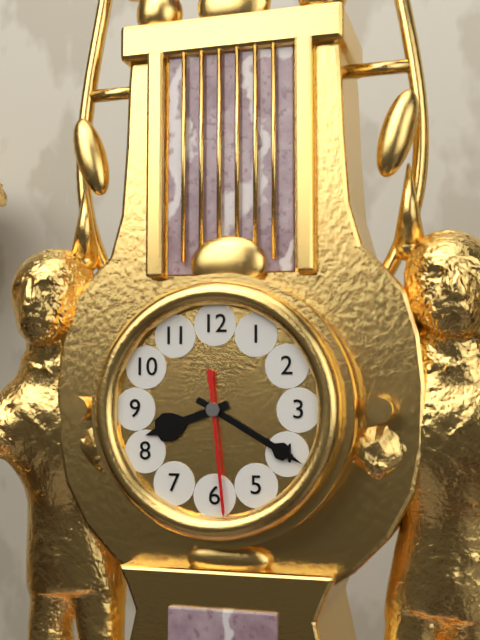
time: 8:20:29
